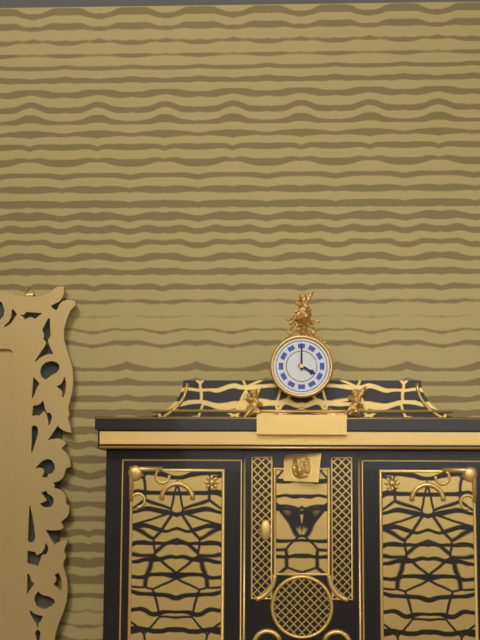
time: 4:00
